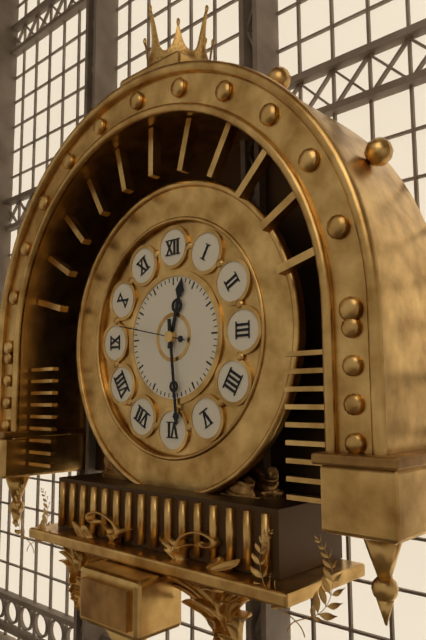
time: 12:29:47
